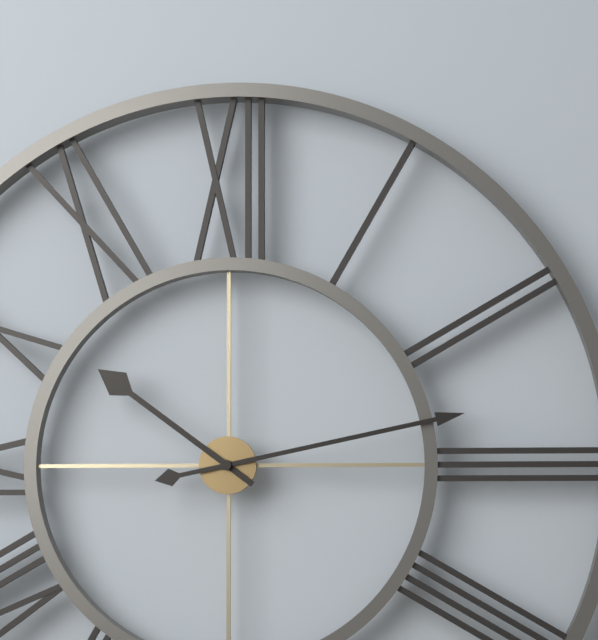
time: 10:13
